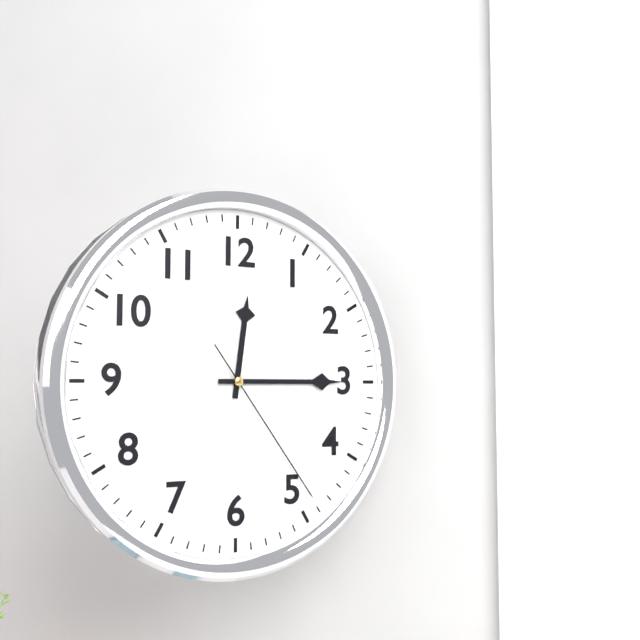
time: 12:15:24
